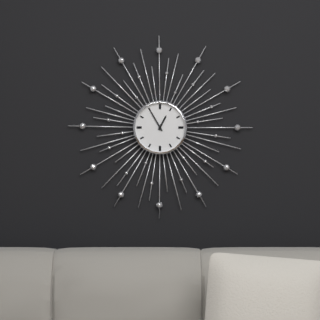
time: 12:55
